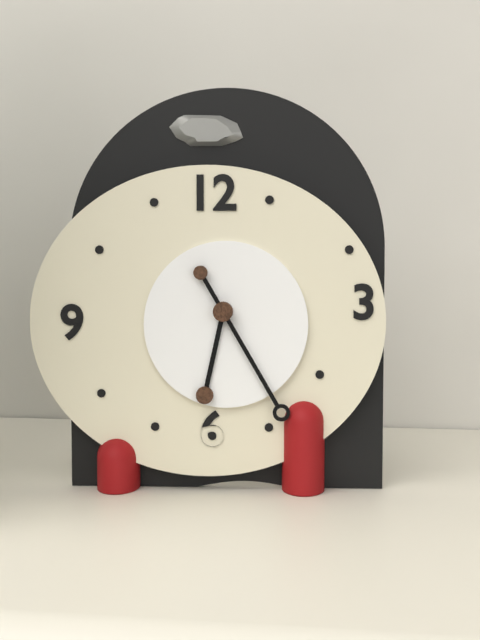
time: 6:25
